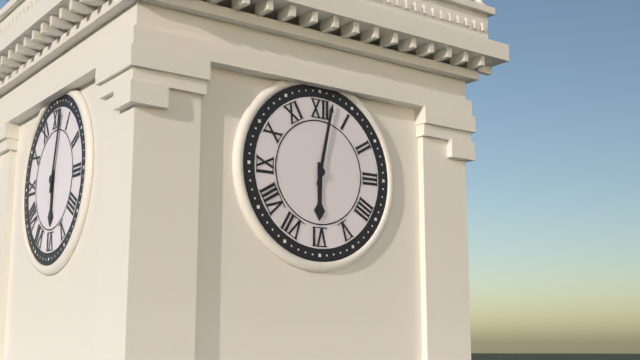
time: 6:02
